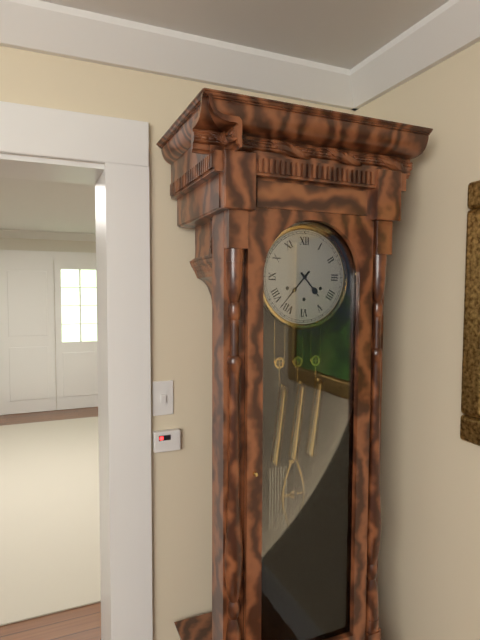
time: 4:37
